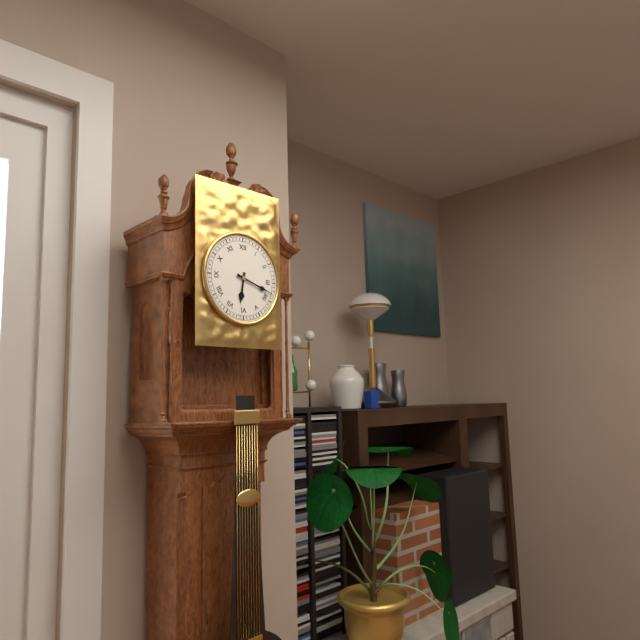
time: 6:18
